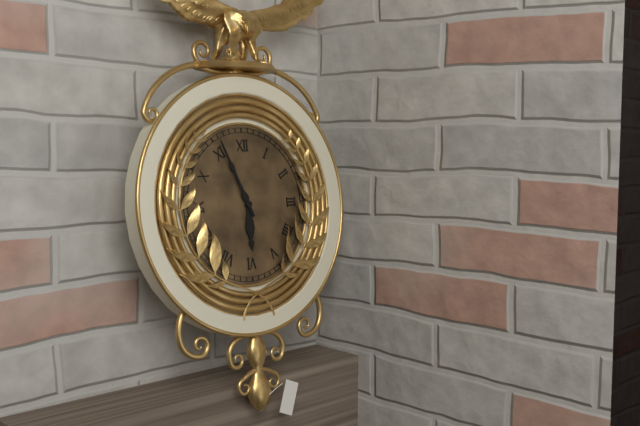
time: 5:56
